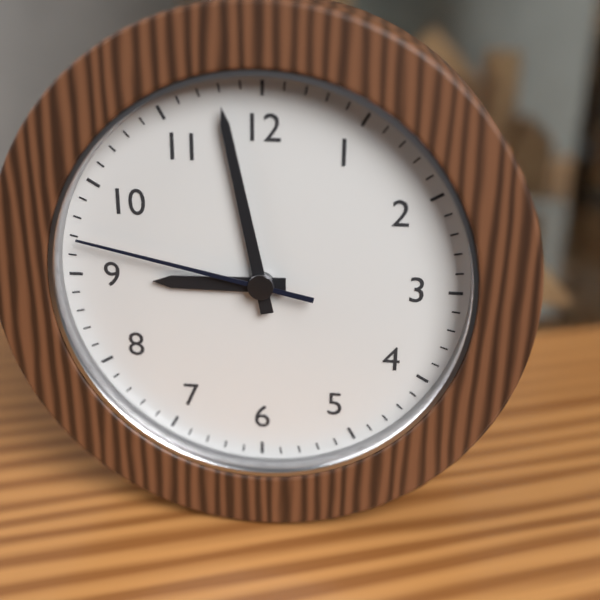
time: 8:58:47
